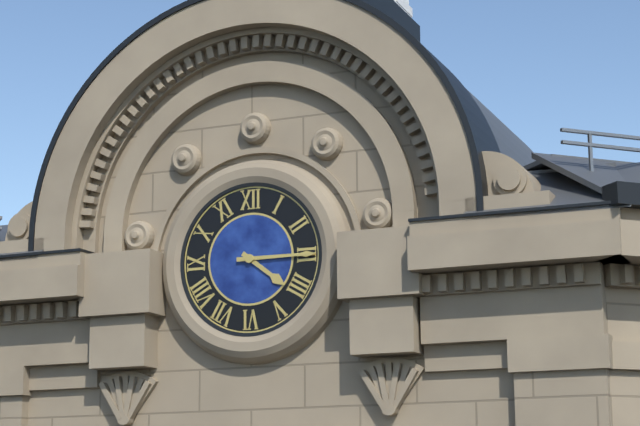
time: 4:15
